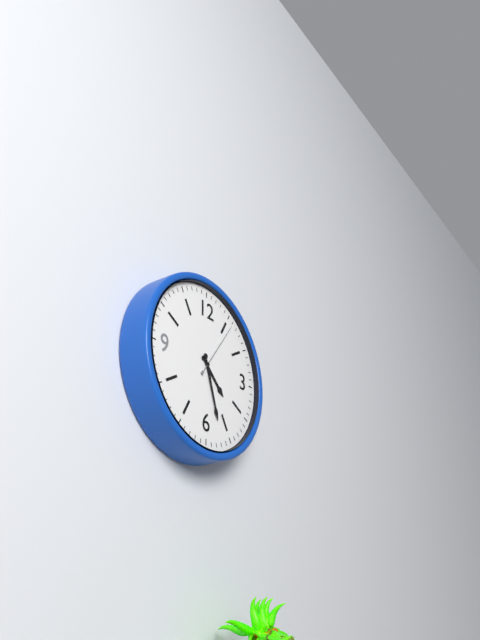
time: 4:27:06
